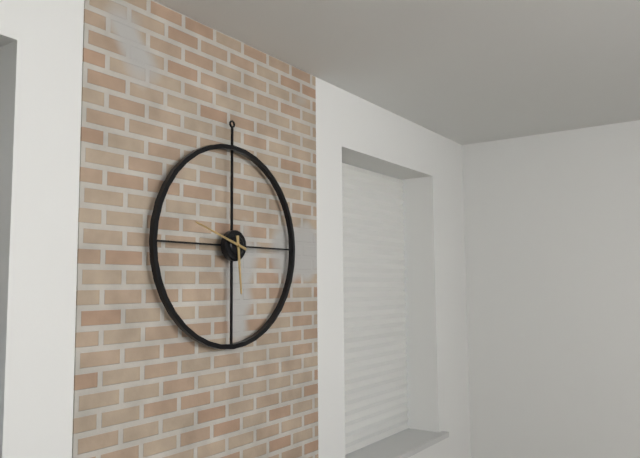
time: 5:48
